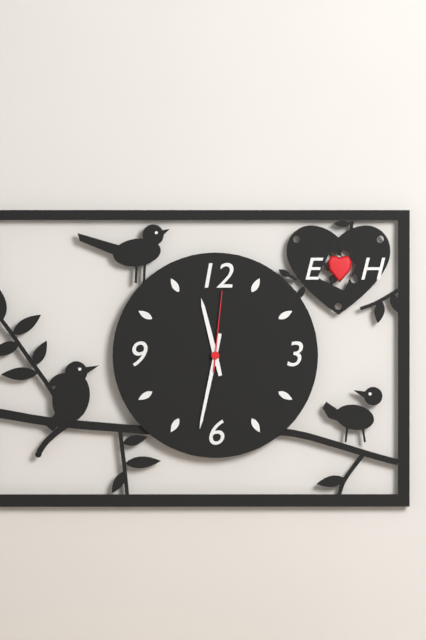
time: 11:32:01
